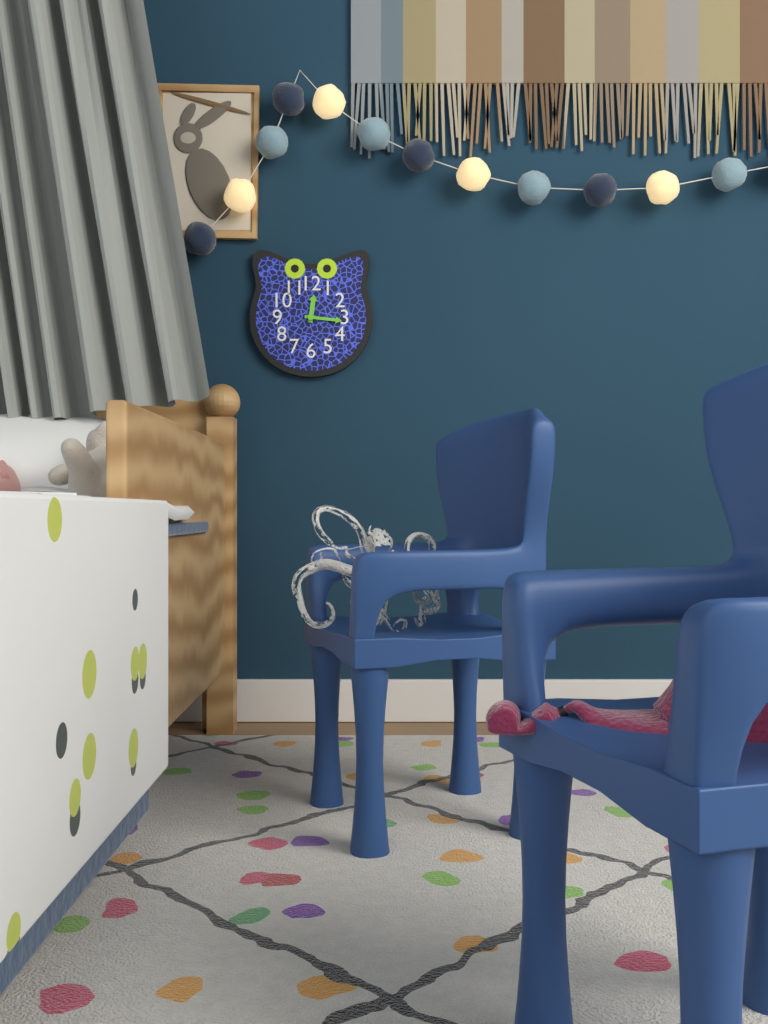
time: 12:16
